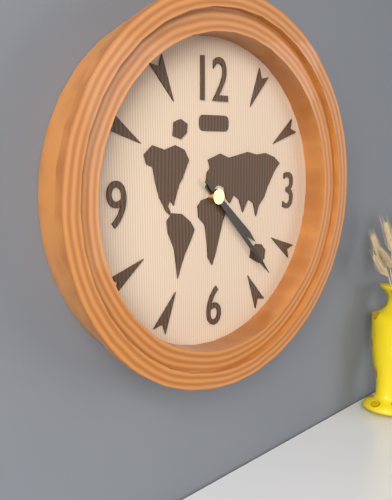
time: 4:23
